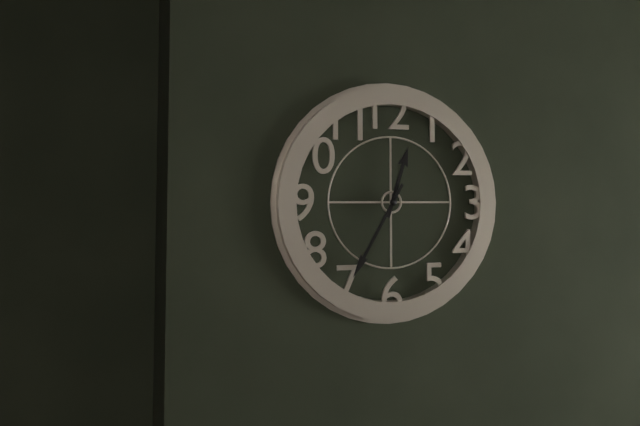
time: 12:35
